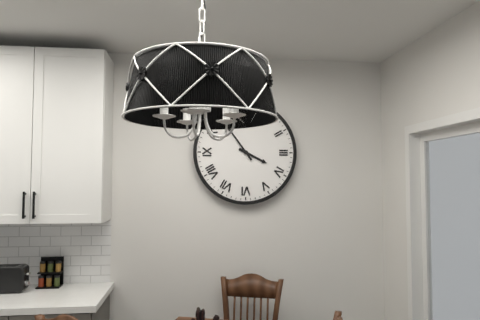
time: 3:54
